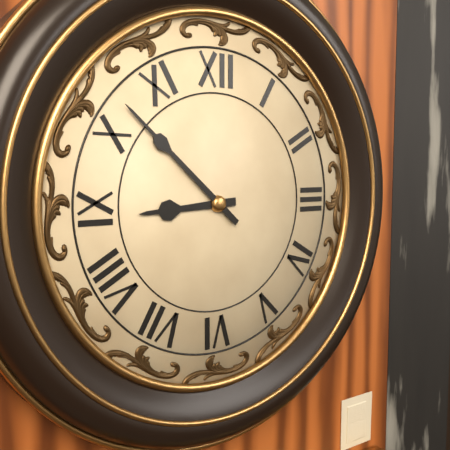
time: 8:52
